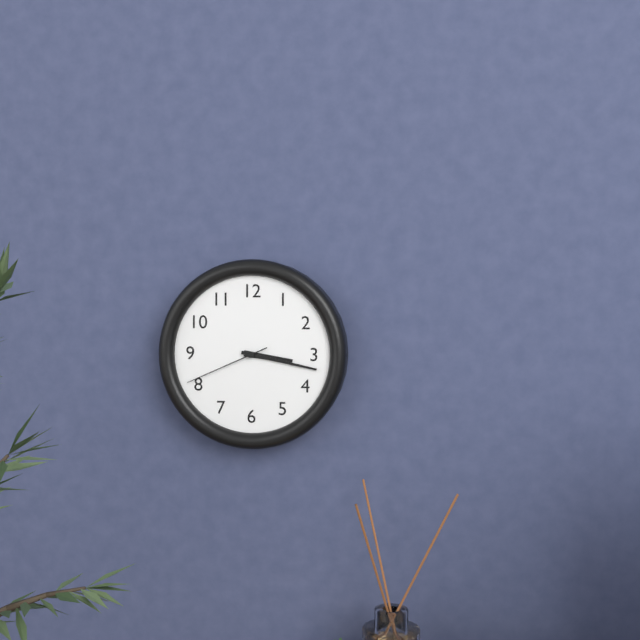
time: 3:17:41
